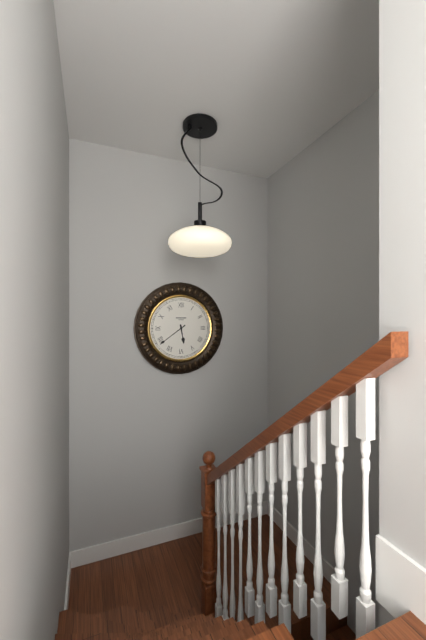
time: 5:39
